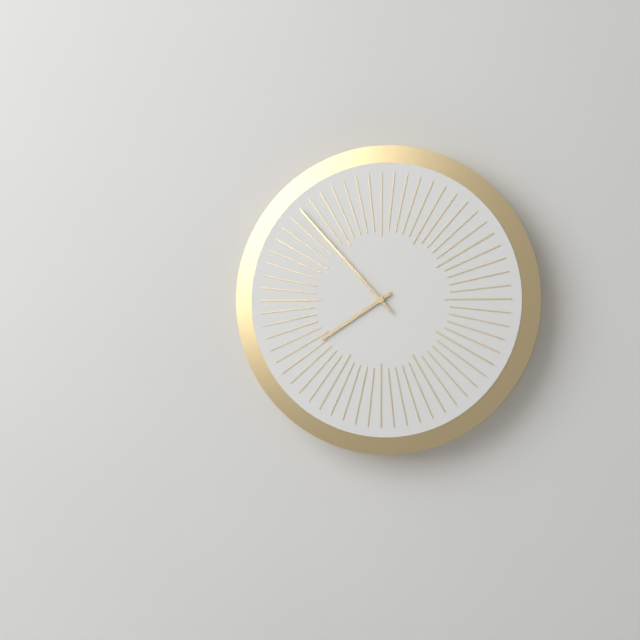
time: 7:53
